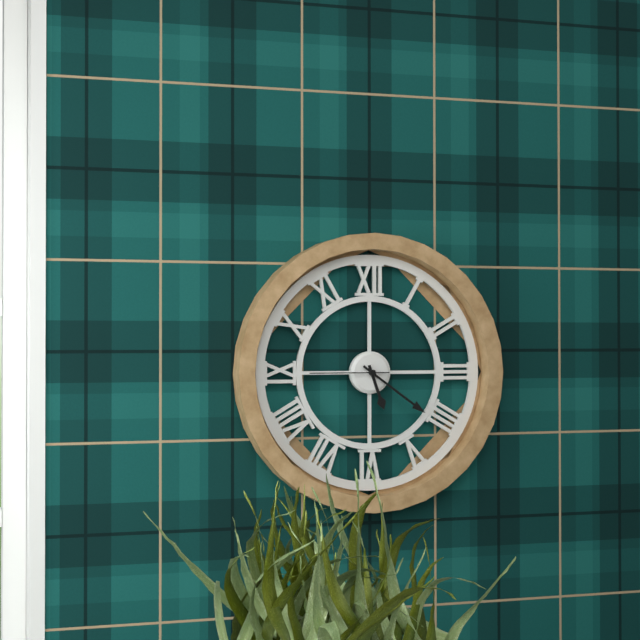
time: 5:21:45
